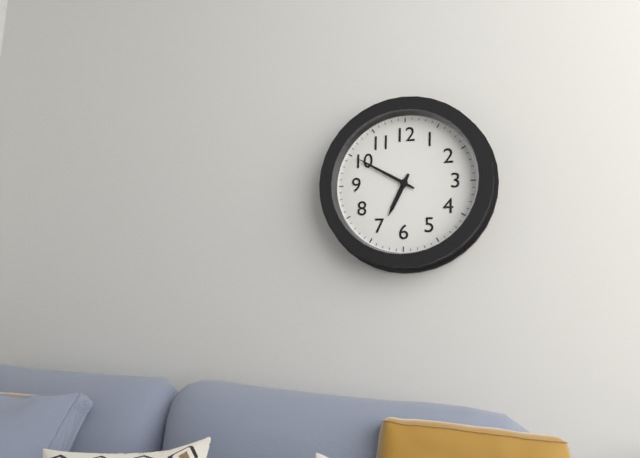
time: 6:50
